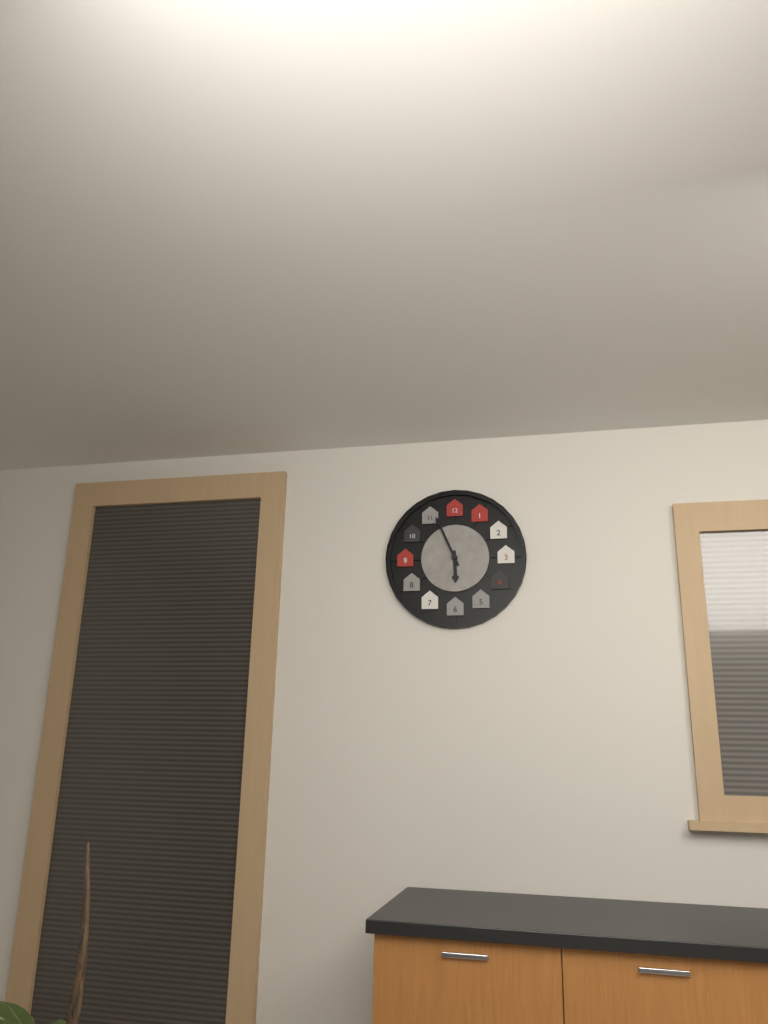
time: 5:56
